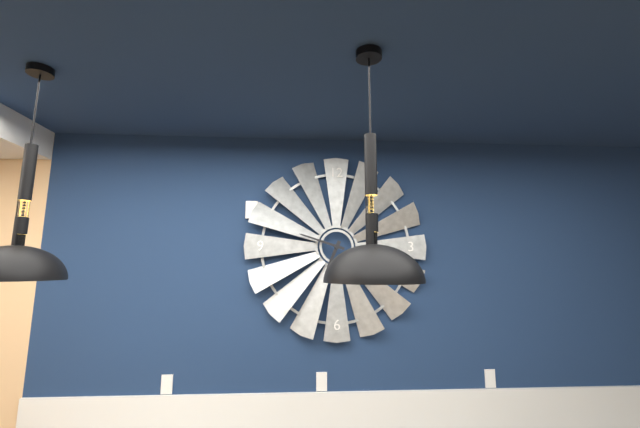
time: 6:48
